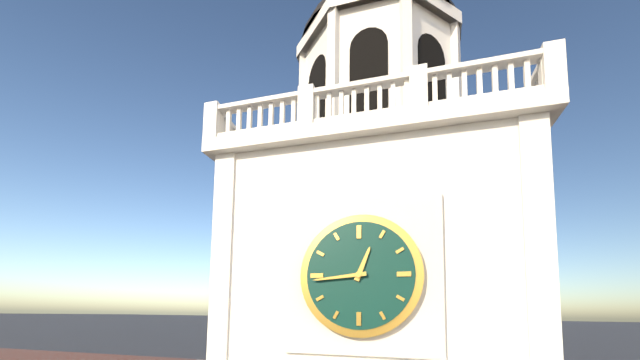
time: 12:44
